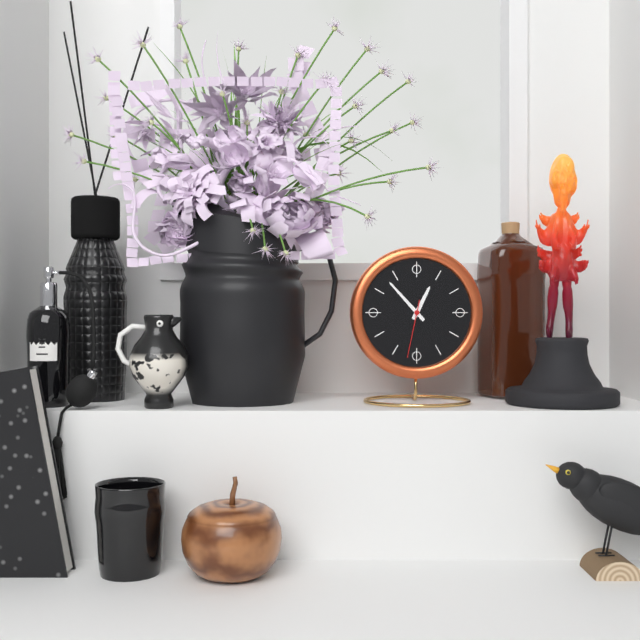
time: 12:53:32
